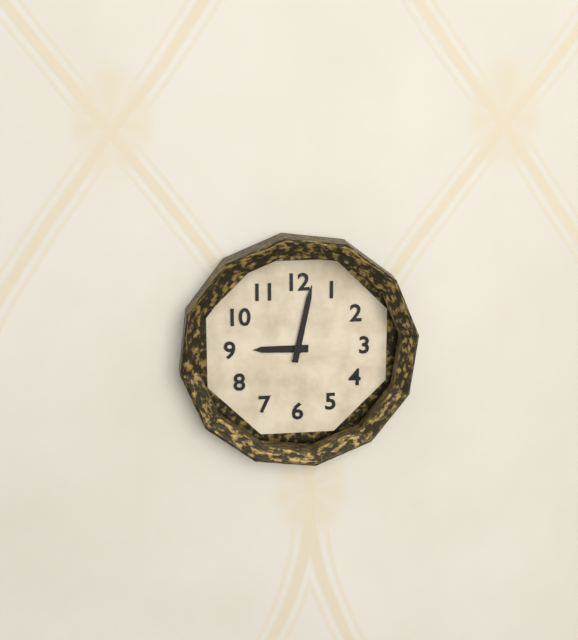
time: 9:02
